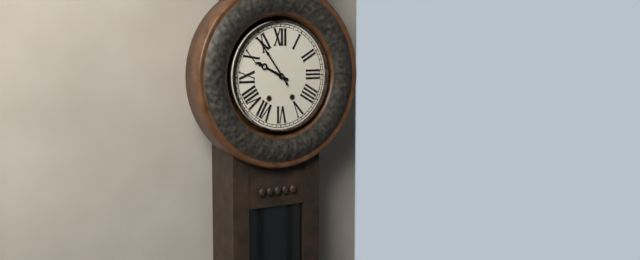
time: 9:54
